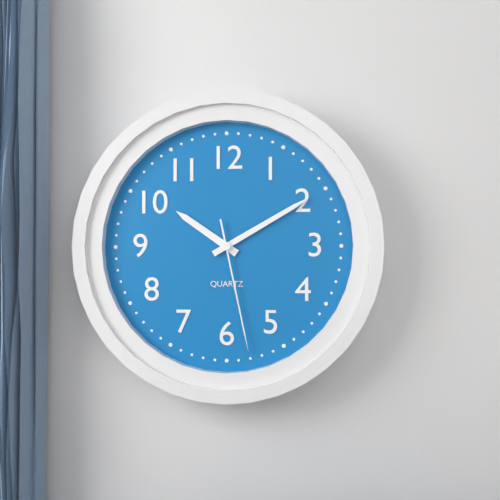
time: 10:10:28
